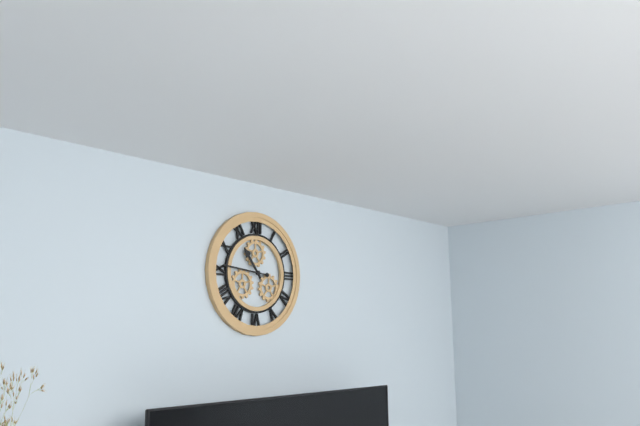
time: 10:46
